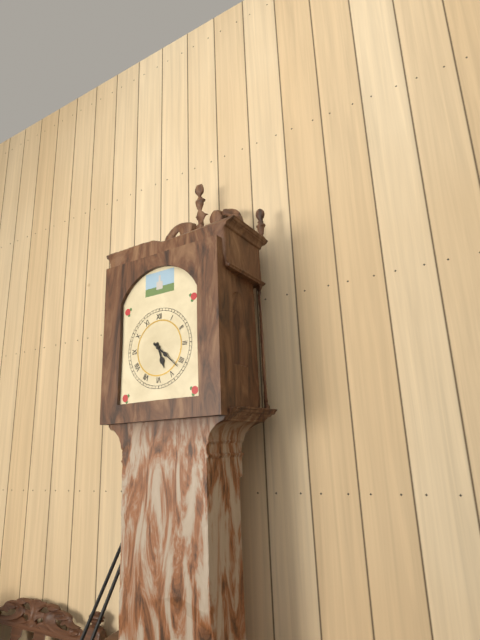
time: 5:22
